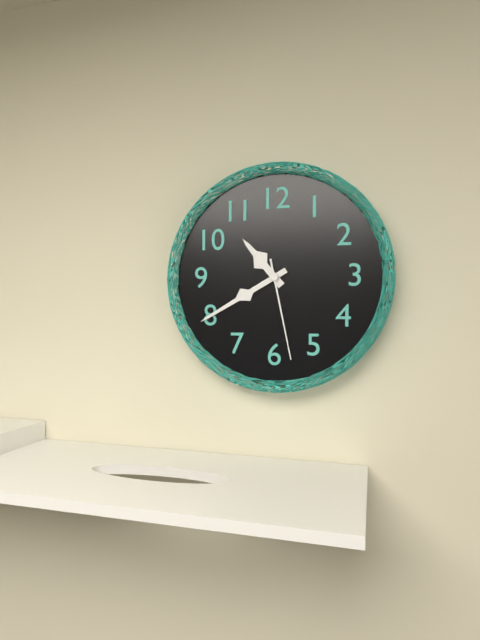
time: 10:40:28
